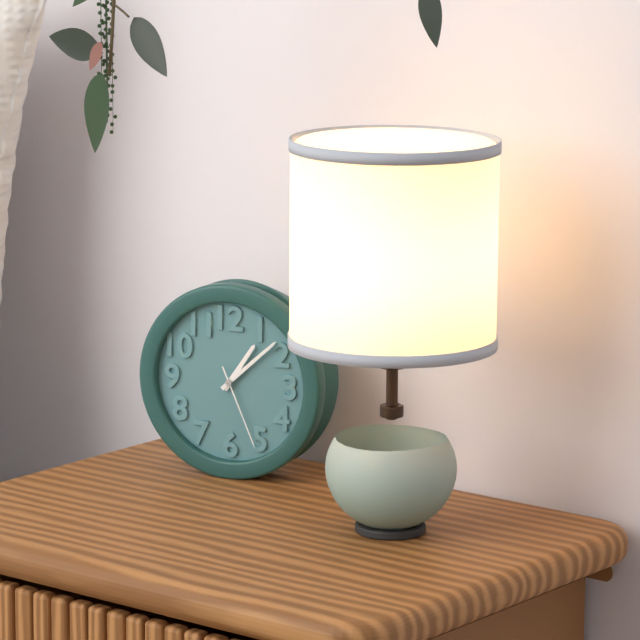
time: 1:08:26
